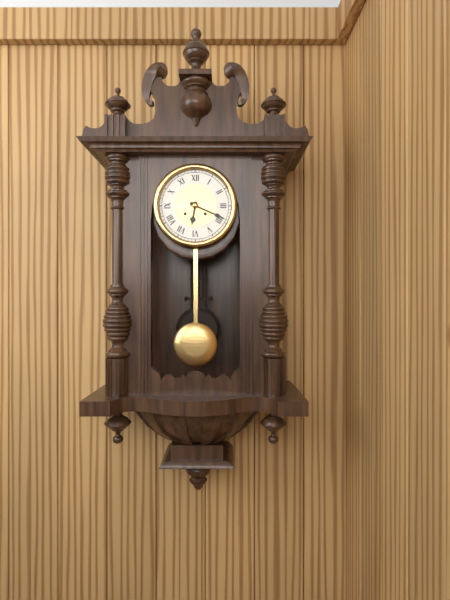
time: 6:19
